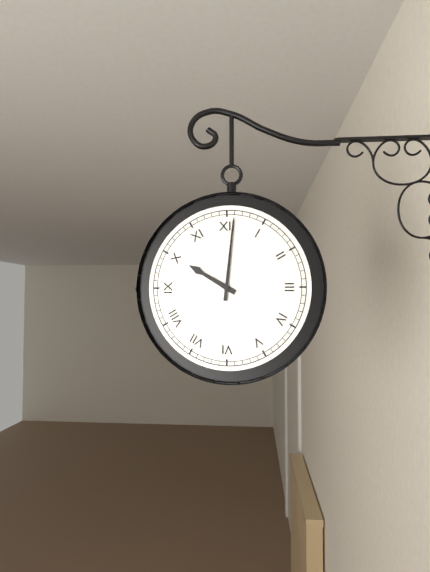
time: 10:01
